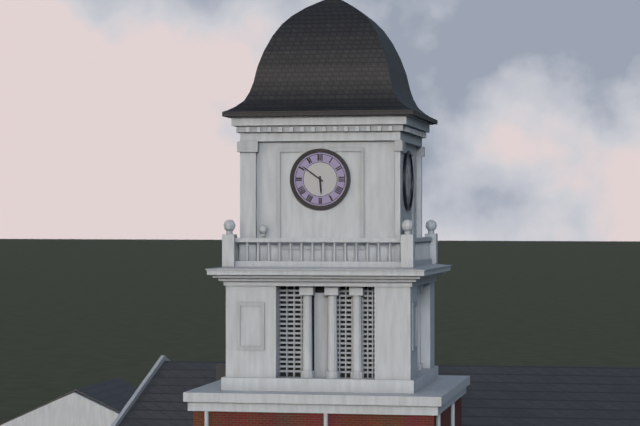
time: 5:51
